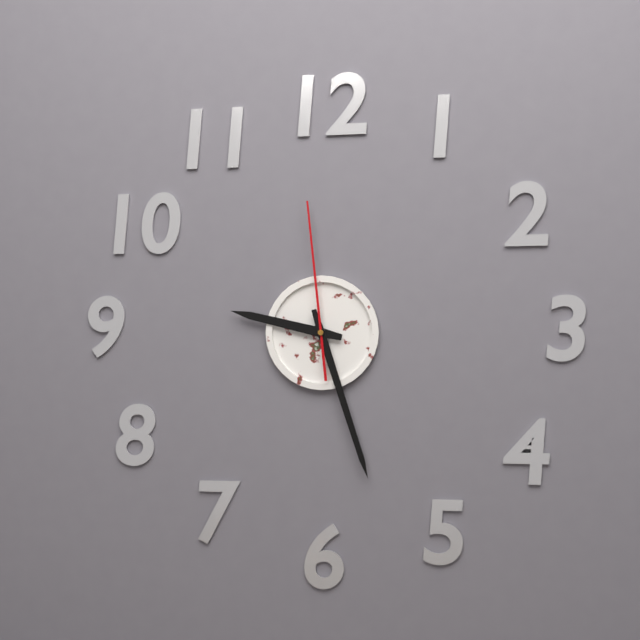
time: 9:27:59
